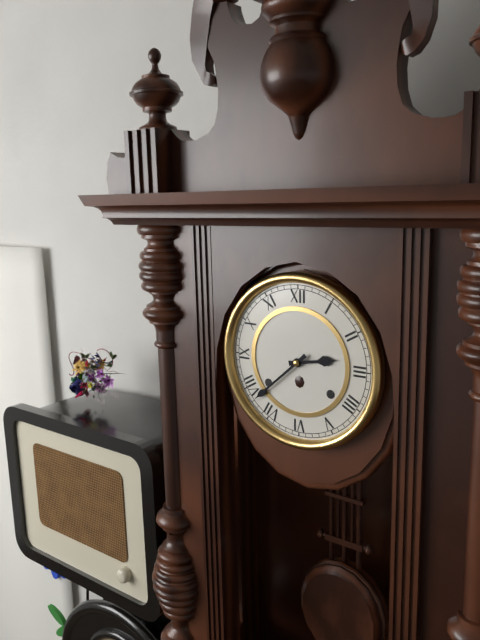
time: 2:38
